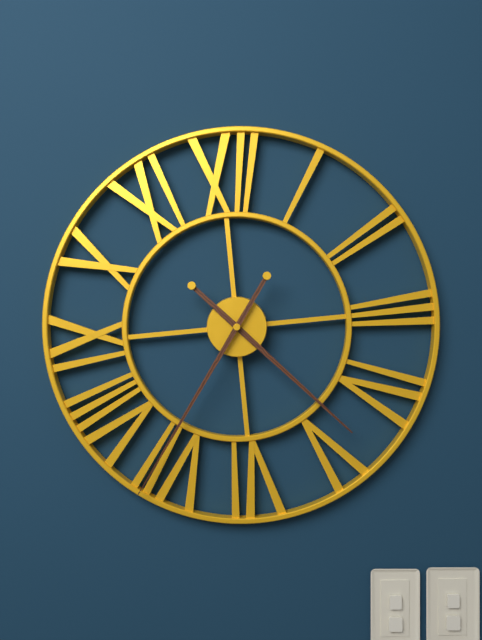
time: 4:36
